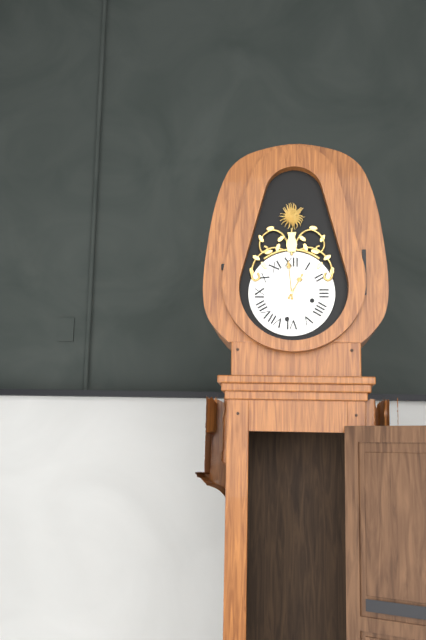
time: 12:59
